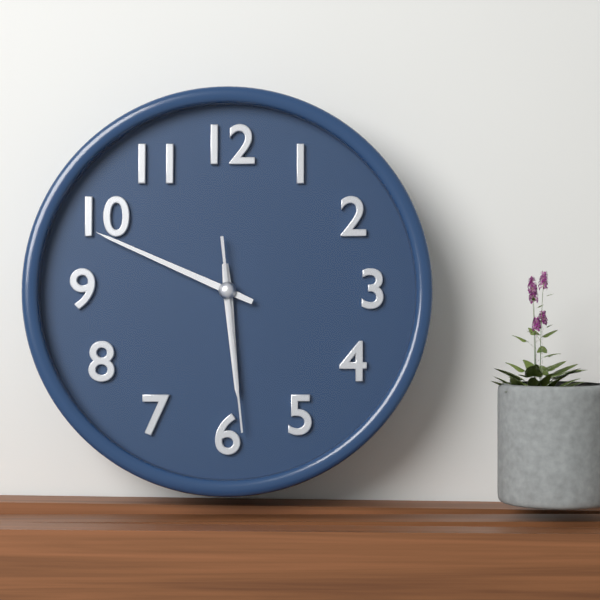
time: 5:49:29
